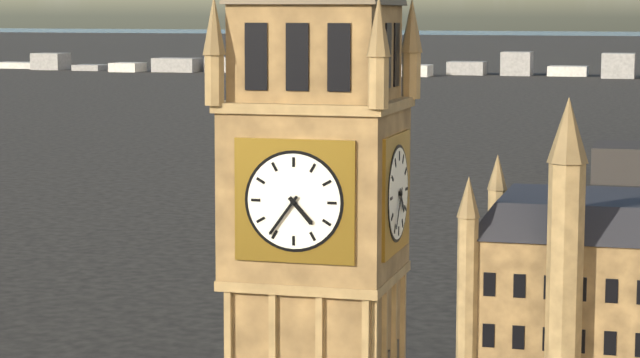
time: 4:36
